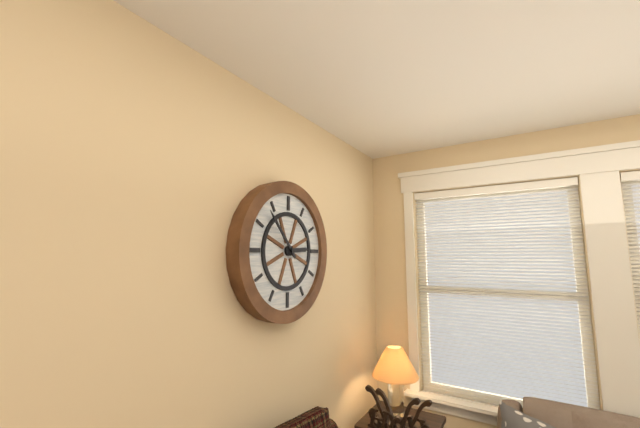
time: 2:53
